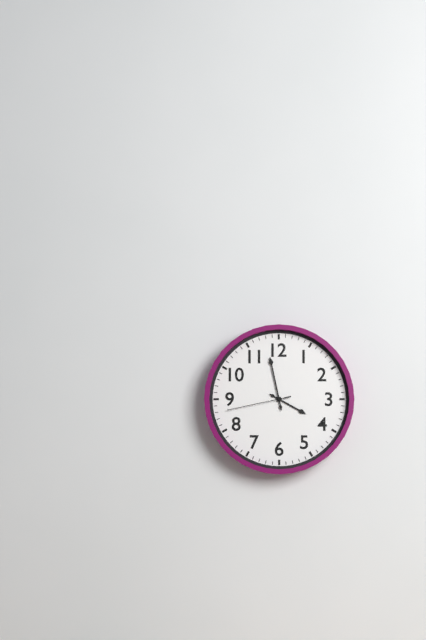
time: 3:58:43
